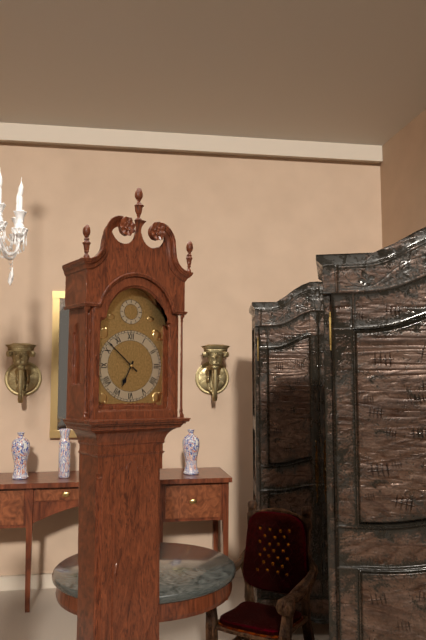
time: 6:52
